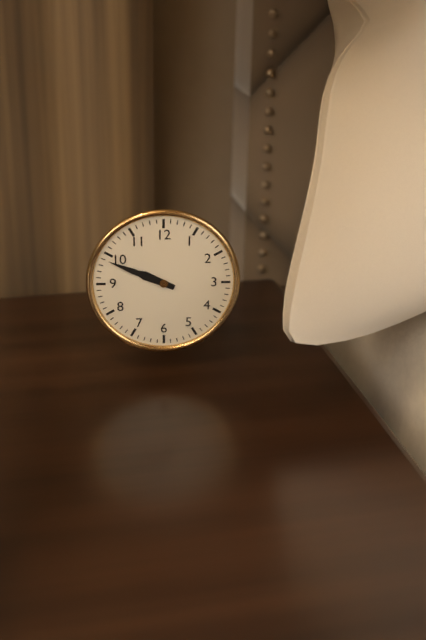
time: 9:49
